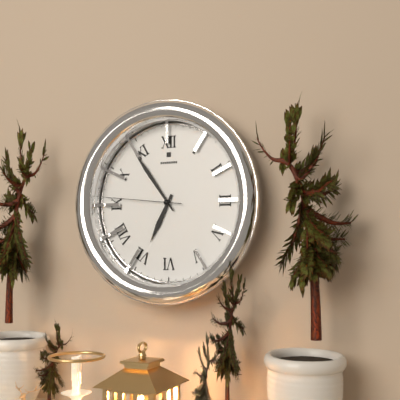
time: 6:54:46
